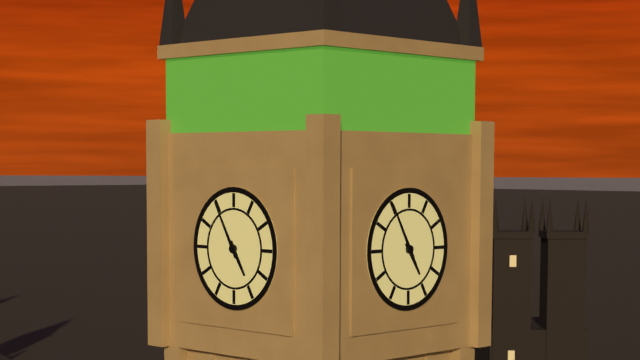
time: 4:55
